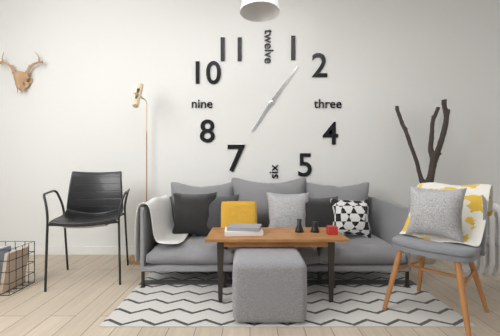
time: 7:06
